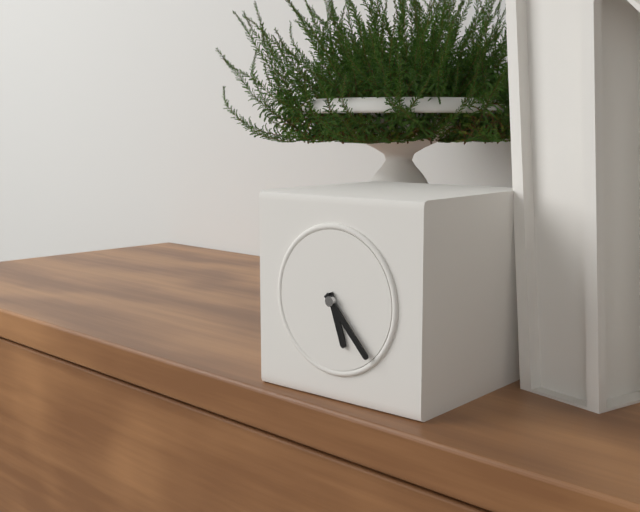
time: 5:23
